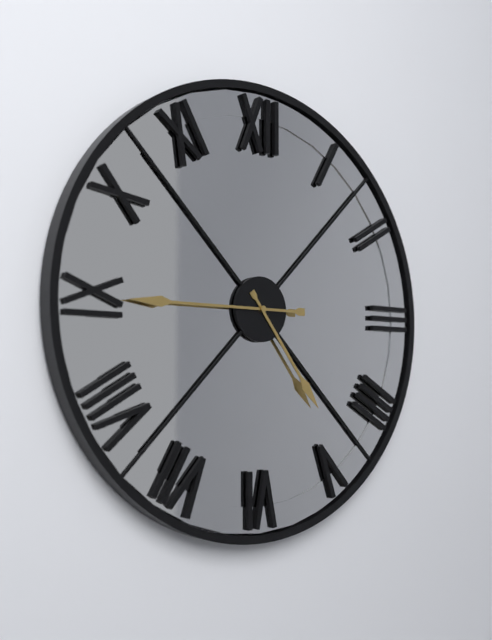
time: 4:45
